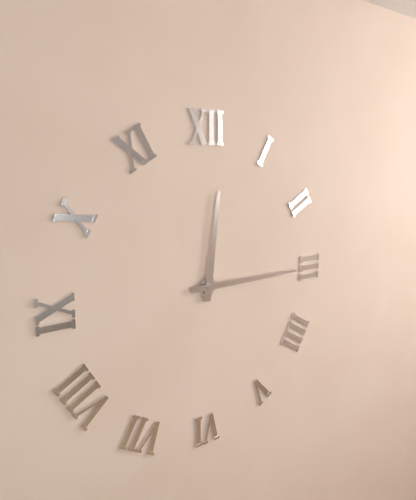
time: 12:15
